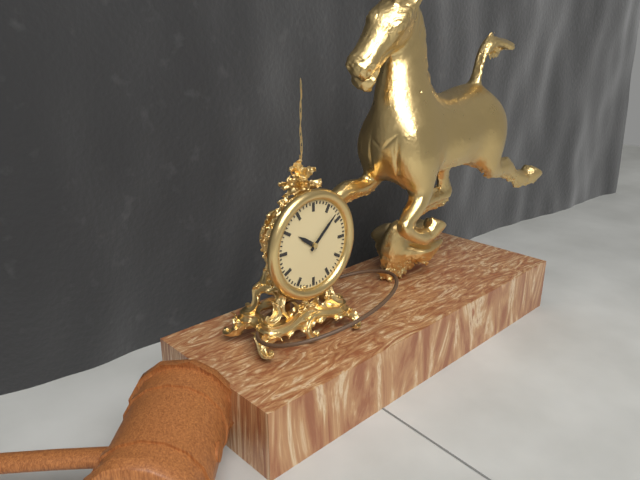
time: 10:08
